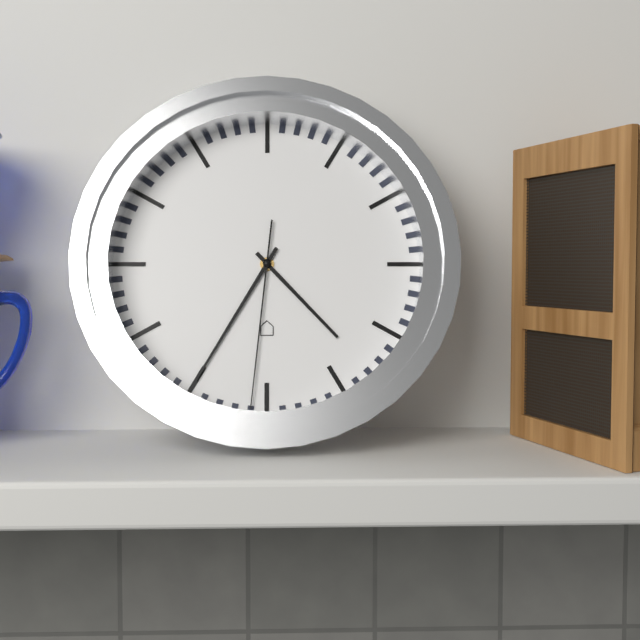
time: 4:35:31
